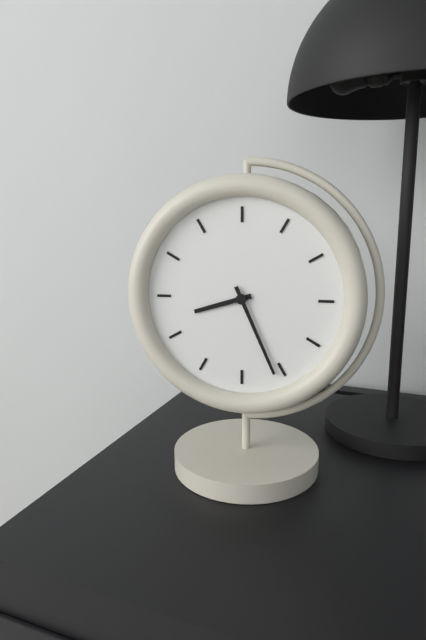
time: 8:26
